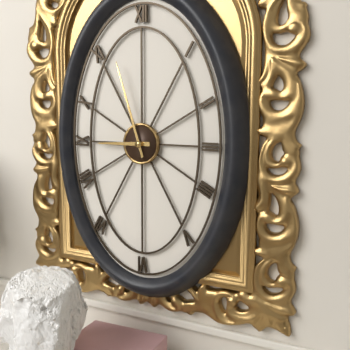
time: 8:57
